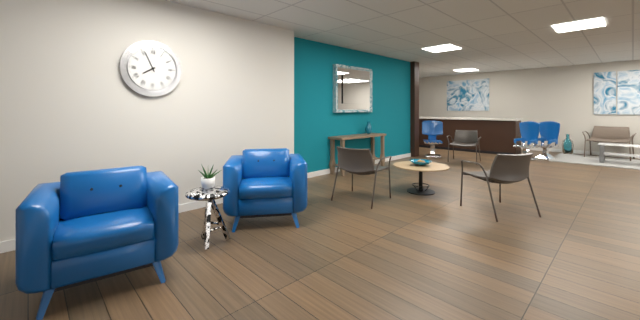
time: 7:56
